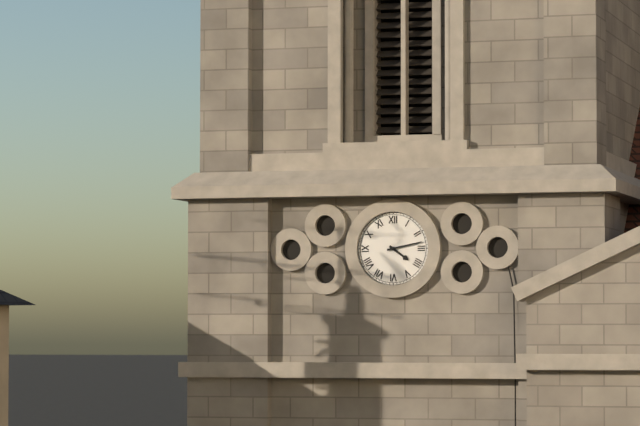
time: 4:13
